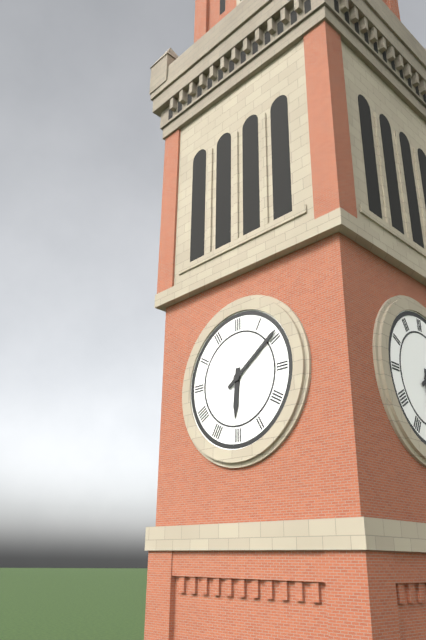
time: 6:09
